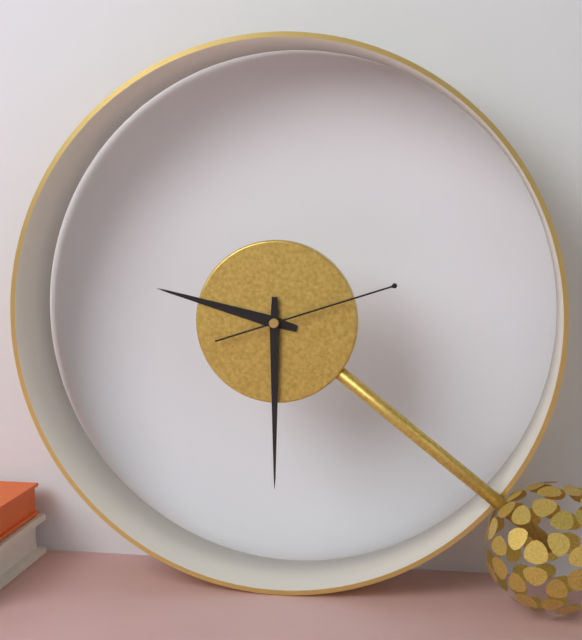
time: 9:30:12
